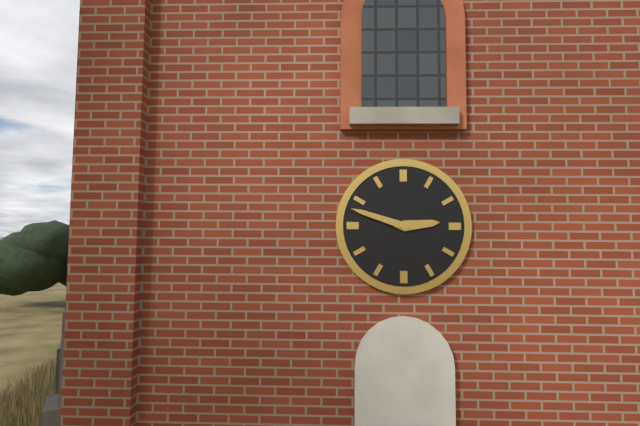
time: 2:48
